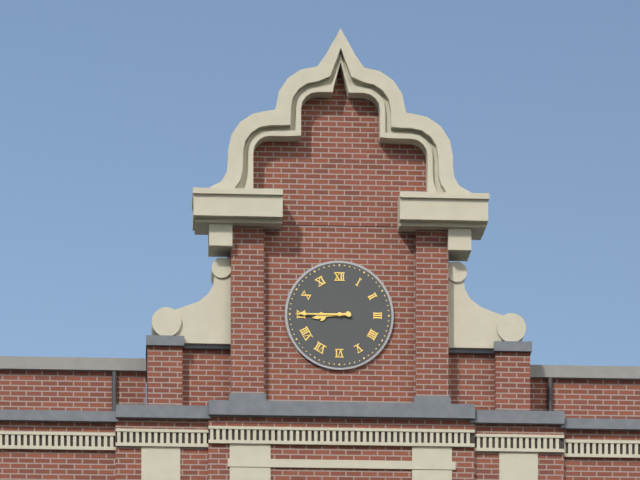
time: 8:45
